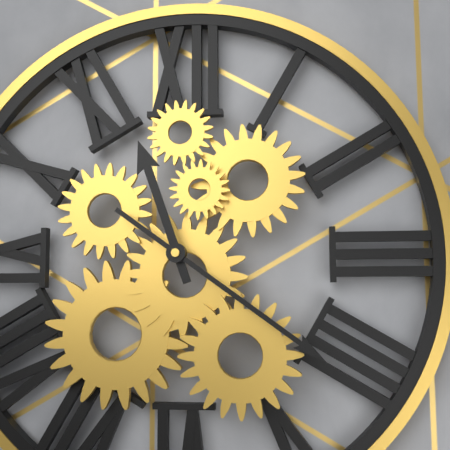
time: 11:21
